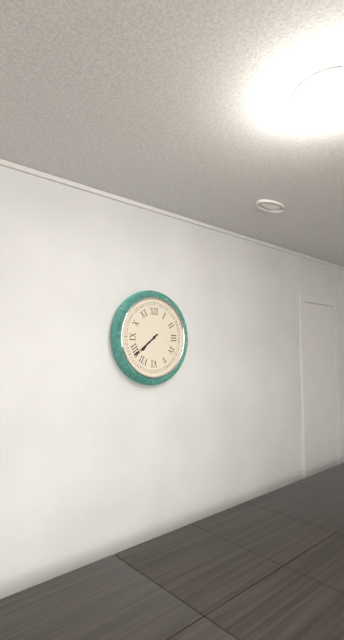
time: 7:39
